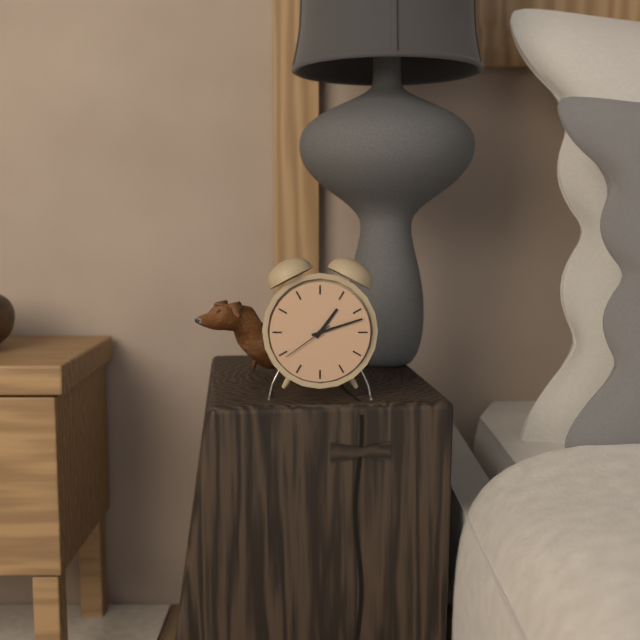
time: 1:12:39
